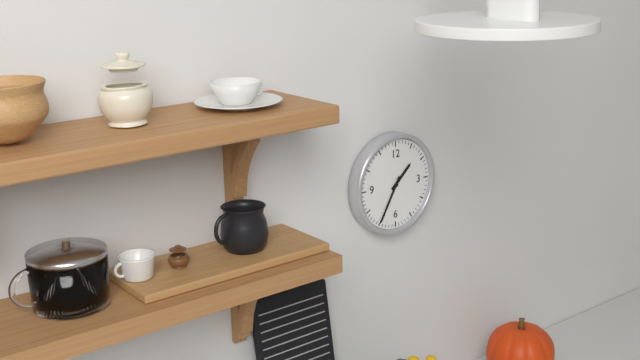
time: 1:35
